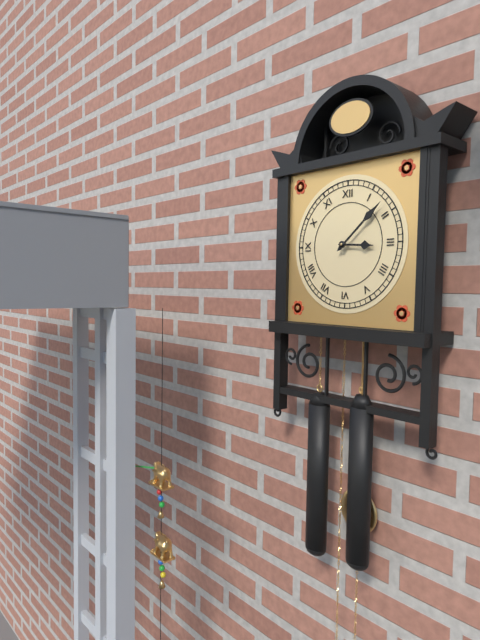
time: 3:08
